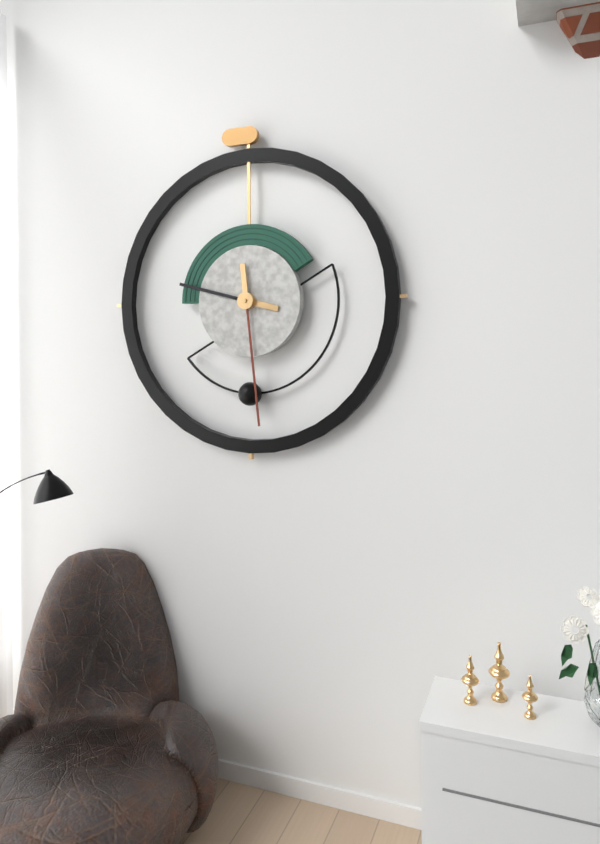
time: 9:29
